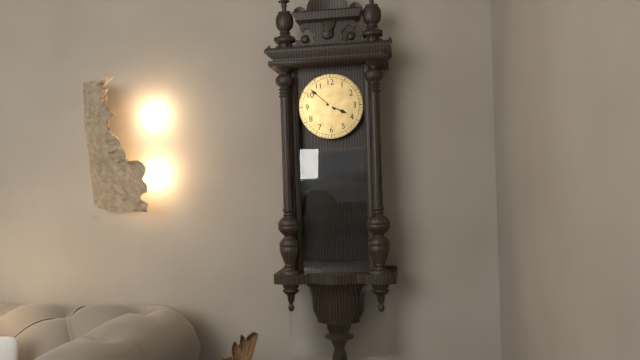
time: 3:52
